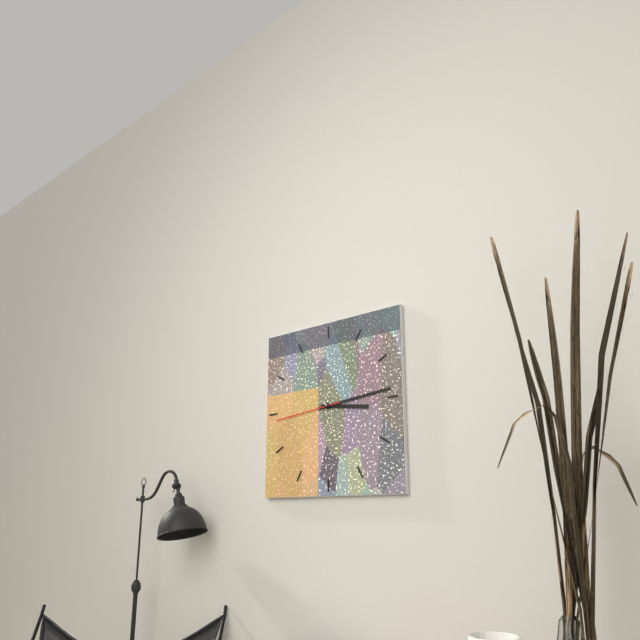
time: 3:14:44
